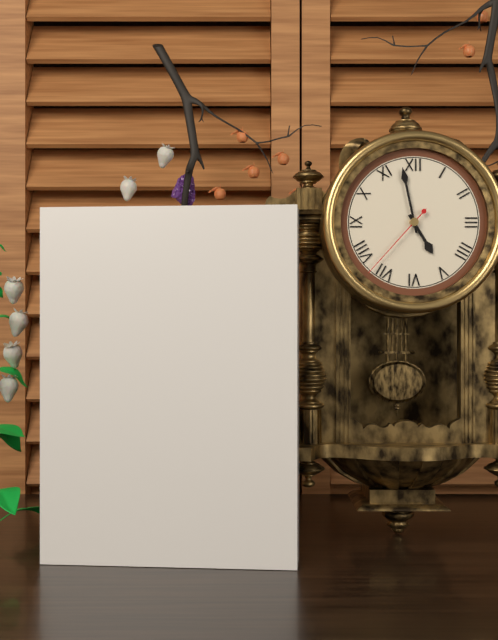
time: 4:58:37
